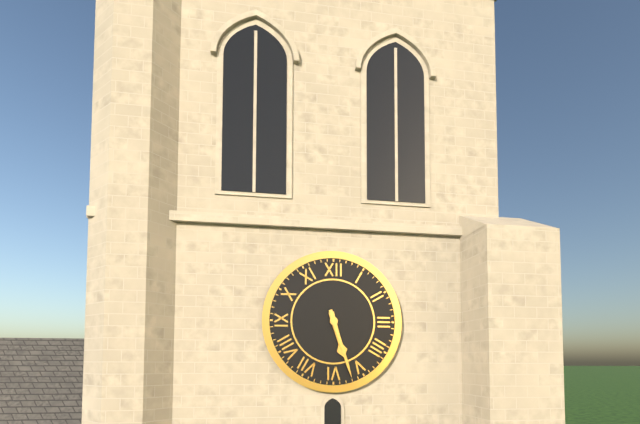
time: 5:27
